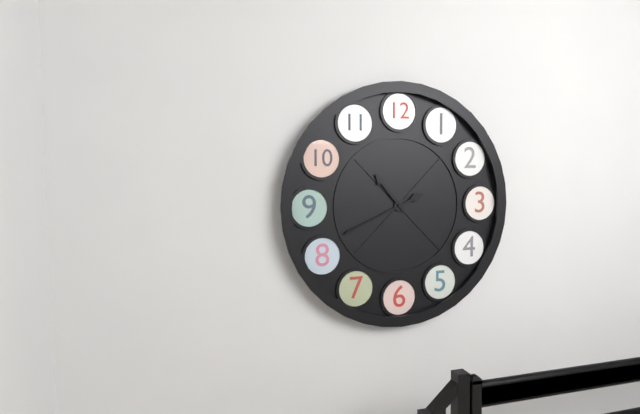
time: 10:41
